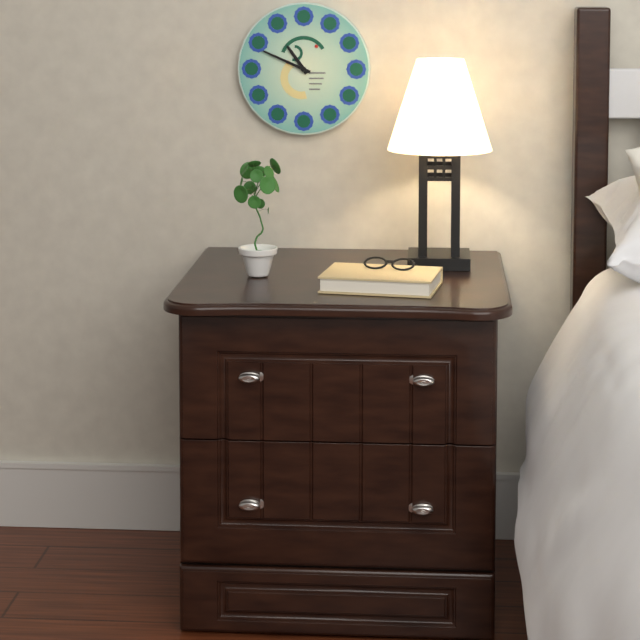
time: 10:49
